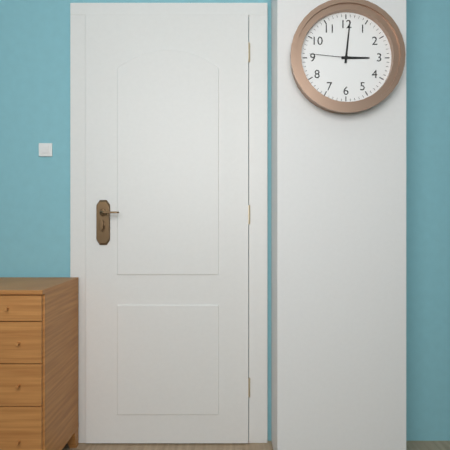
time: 3:01
